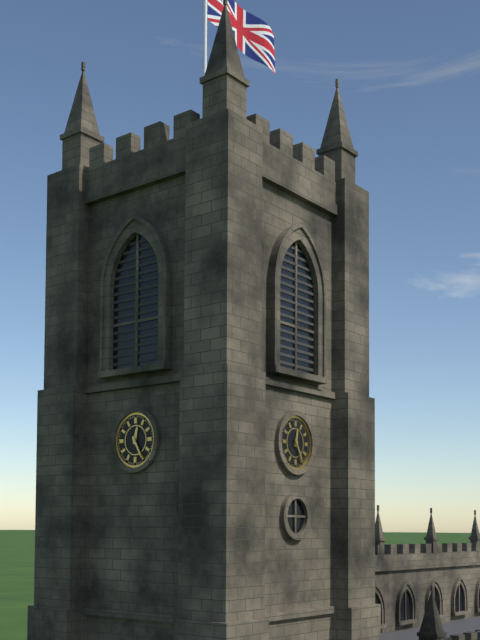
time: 12:25
